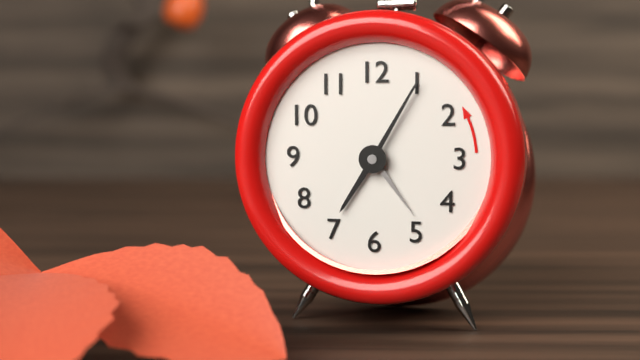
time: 7:05:24
